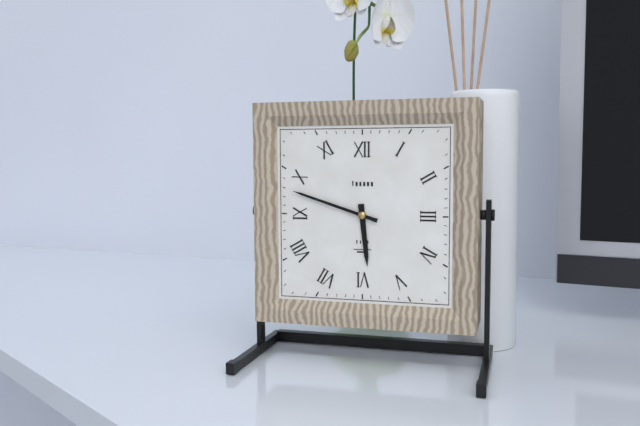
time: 5:48
